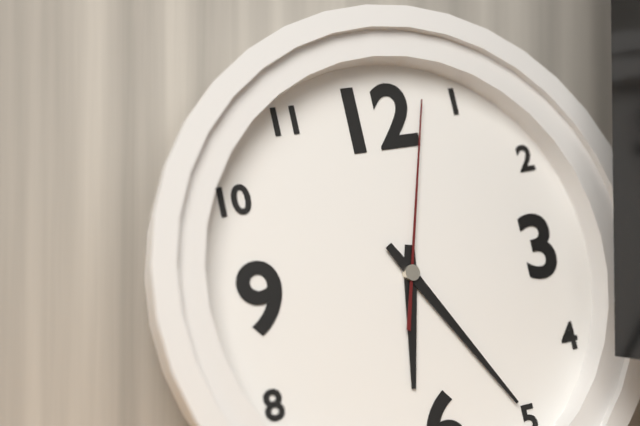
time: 6:25:03
